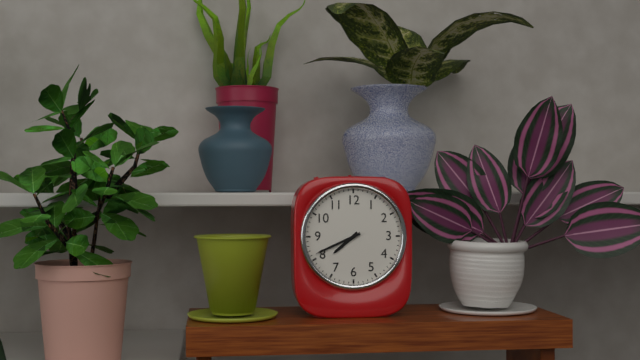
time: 7:41
